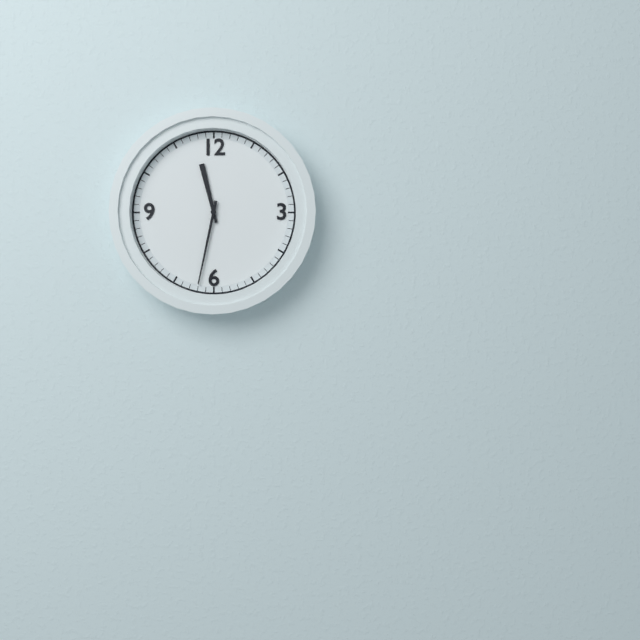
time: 11:32
